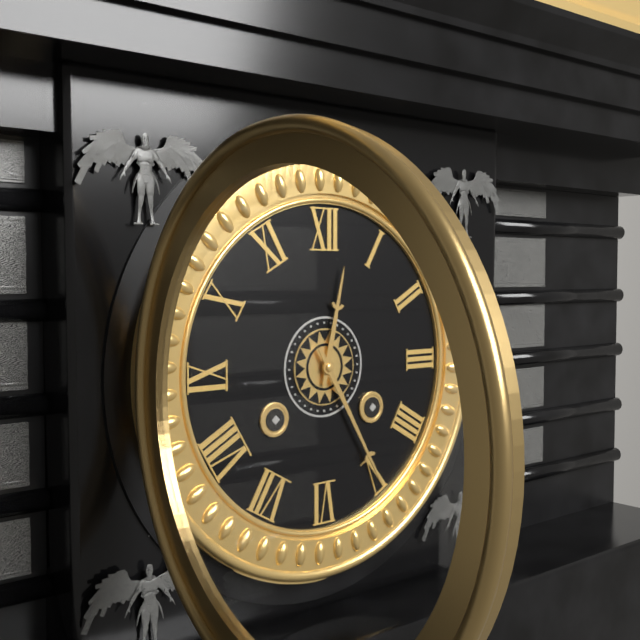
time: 12:25
